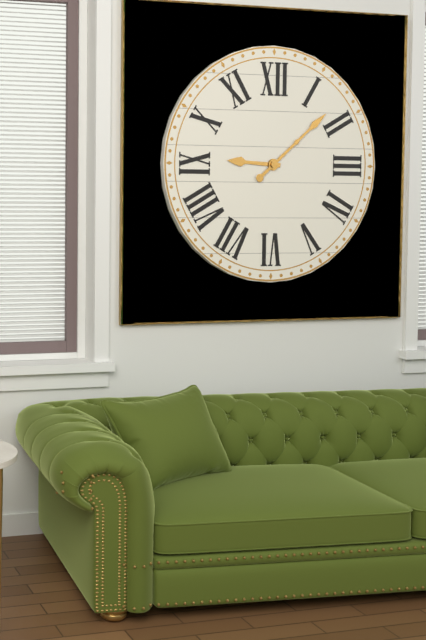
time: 9:08
